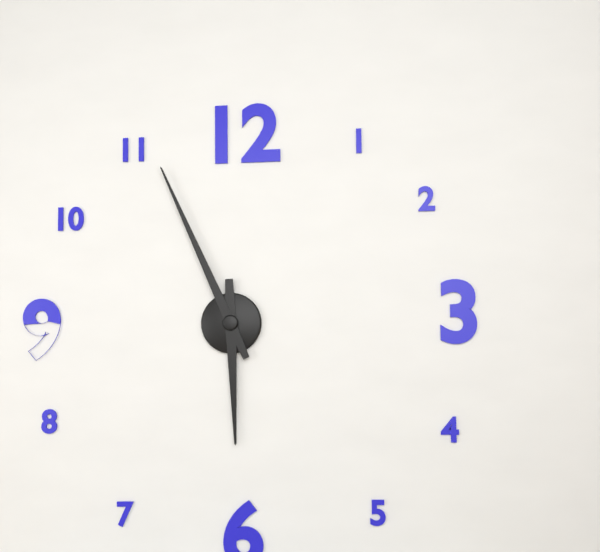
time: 5:56
